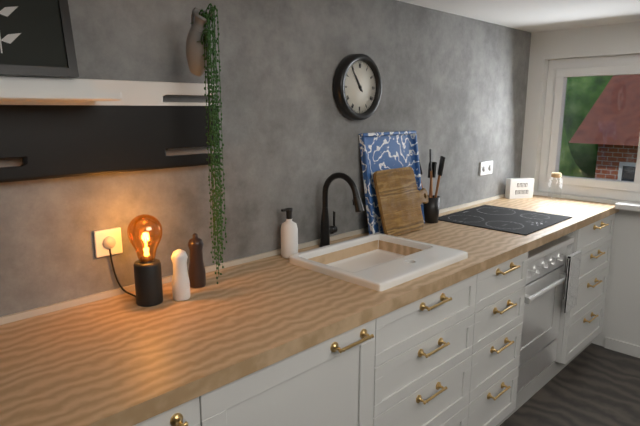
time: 10:54
